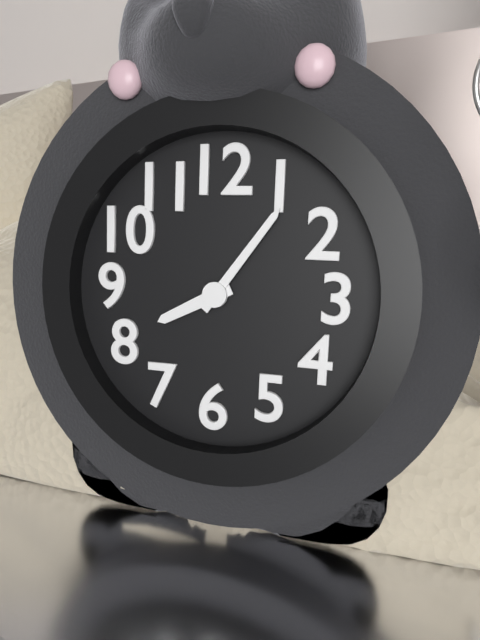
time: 8:06
